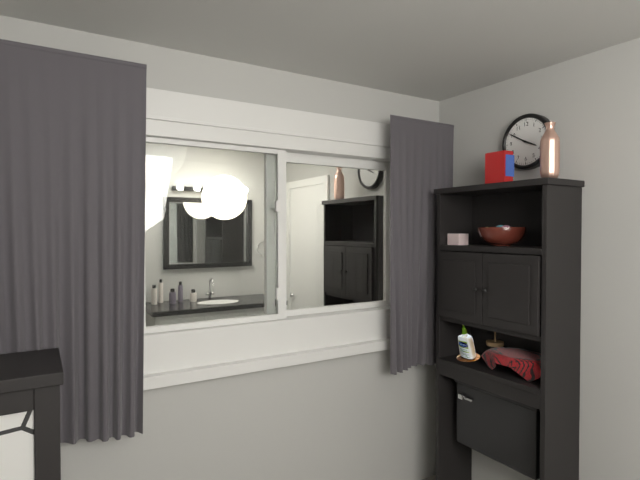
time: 3:50
